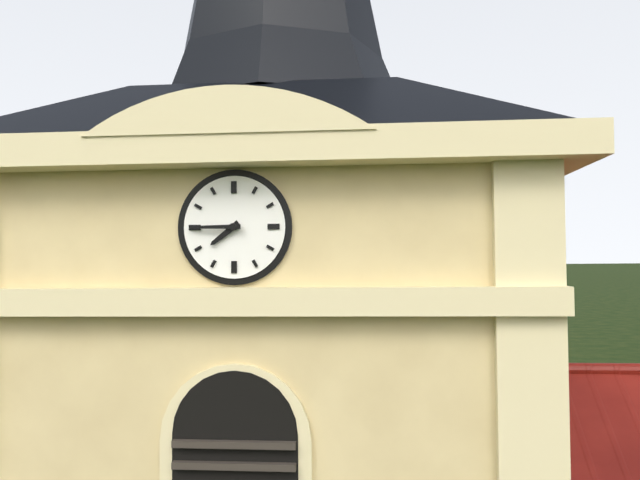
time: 7:45
